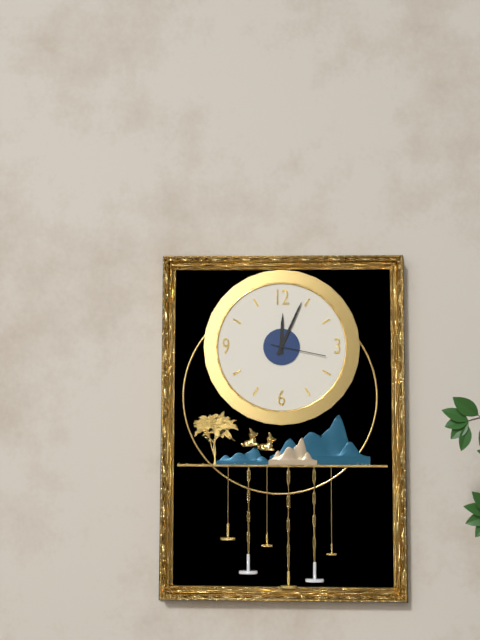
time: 12:04:17
